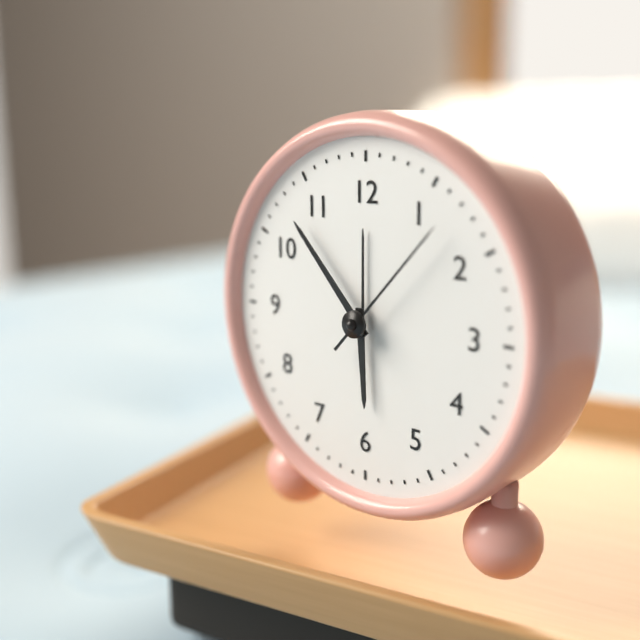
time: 5:53:07
